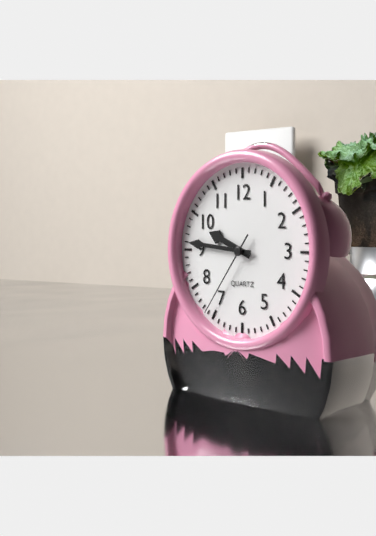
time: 9:46:36
